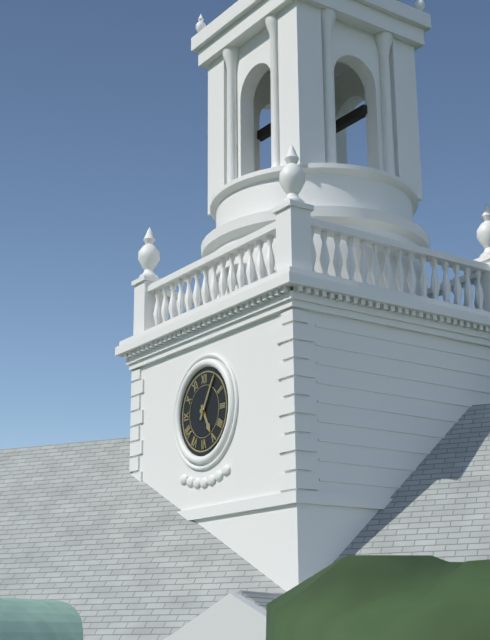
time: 5:05
